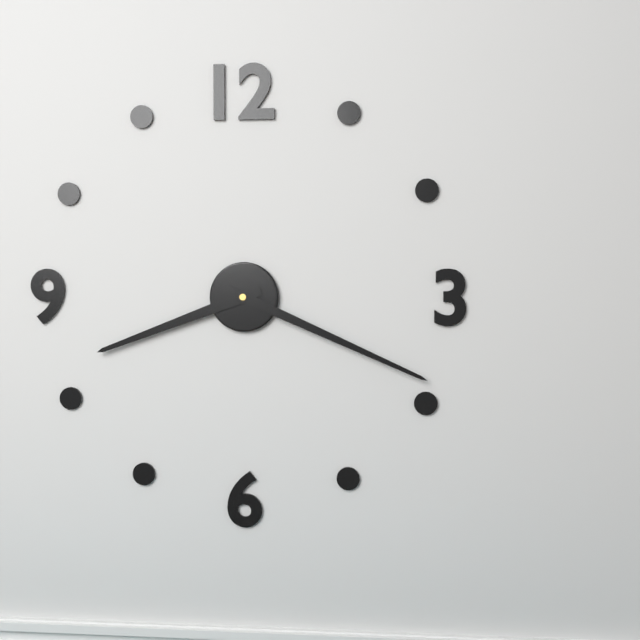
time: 8:19
